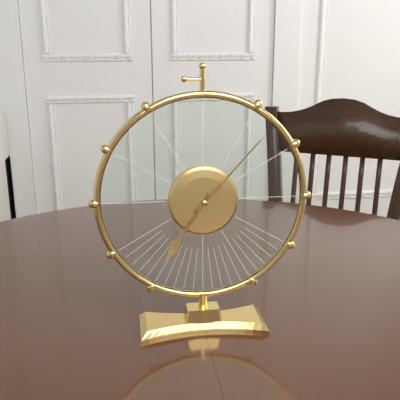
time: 7:07
